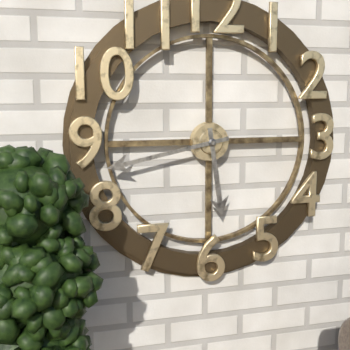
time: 5:43
